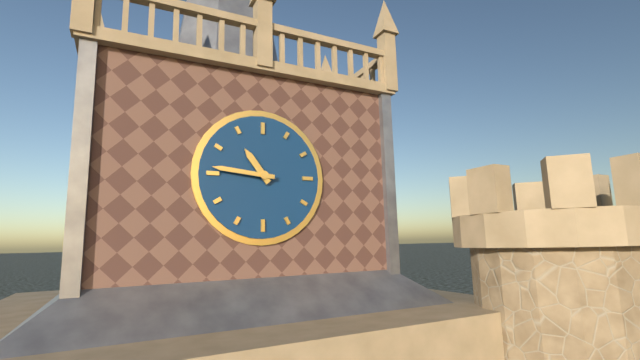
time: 10:46
